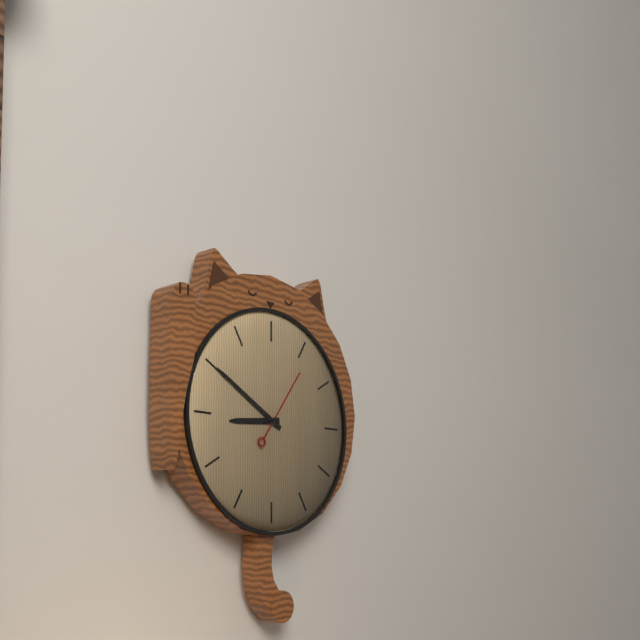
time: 8:50:06
